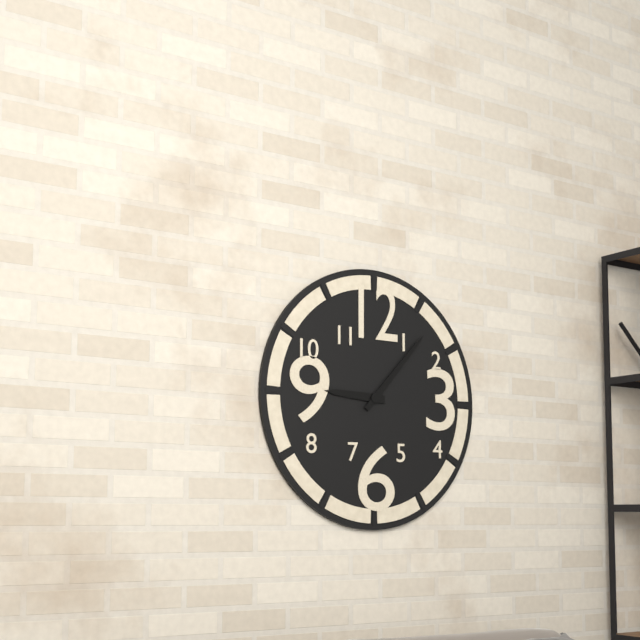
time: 9:07
